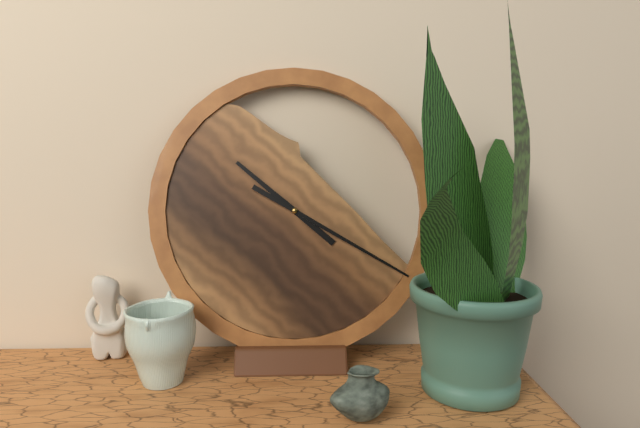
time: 10:20
